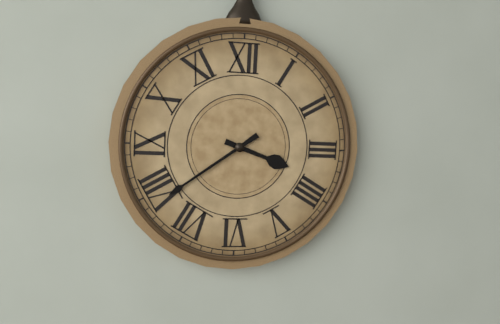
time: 3:39
